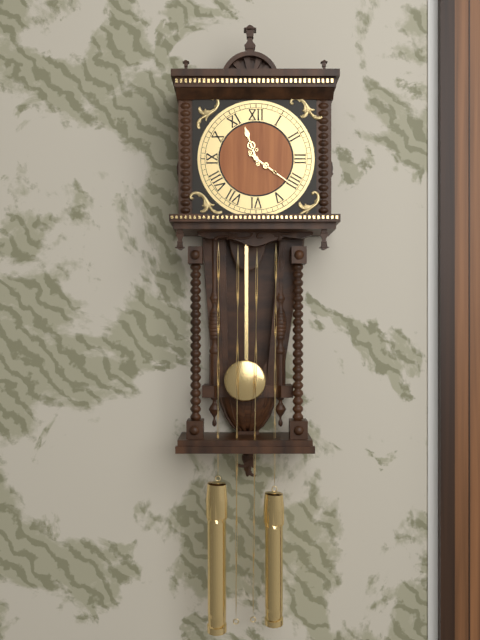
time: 11:21
